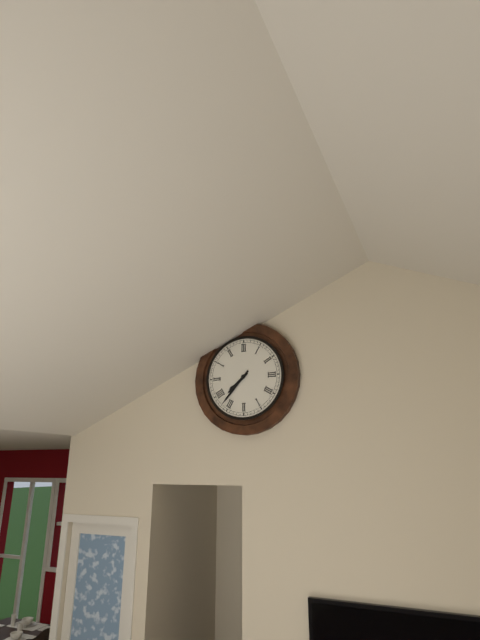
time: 7:37
